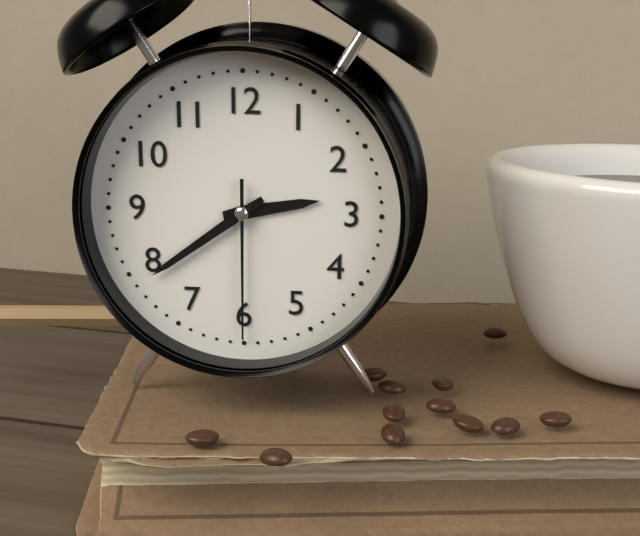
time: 2:39:30
